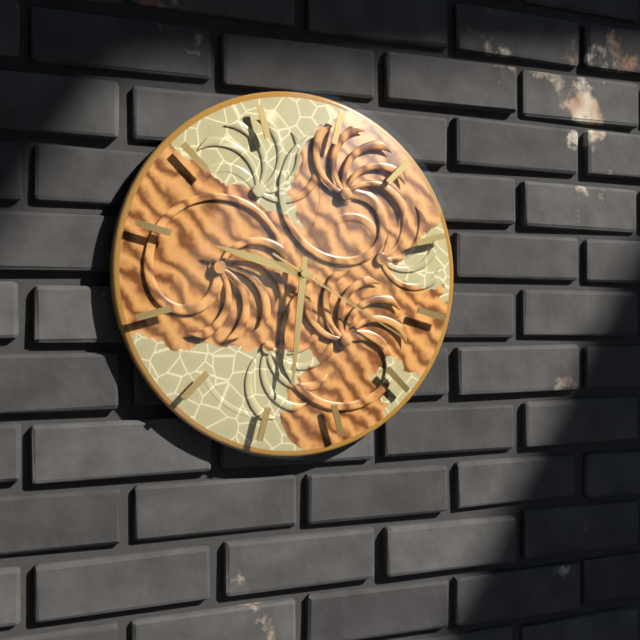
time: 9:31:20
